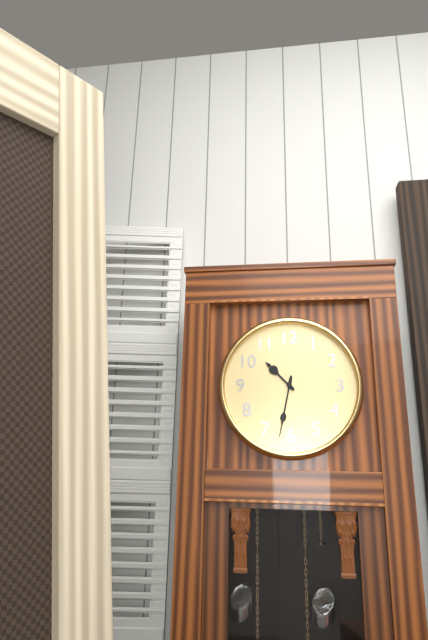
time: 10:32
